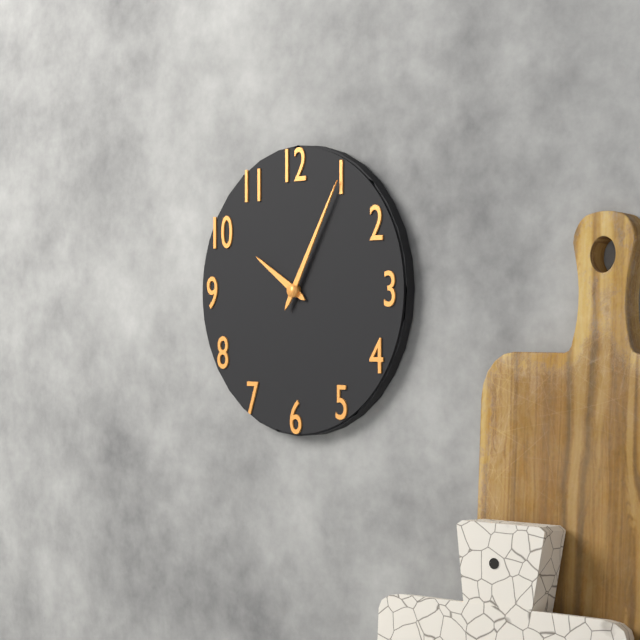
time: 10:05
